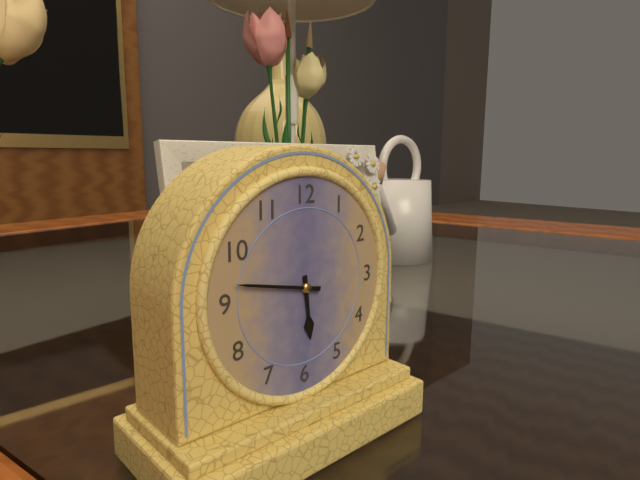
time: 5:47
